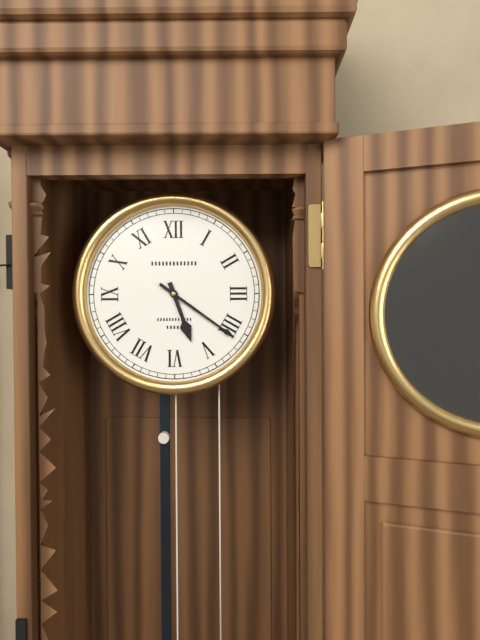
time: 5:21
